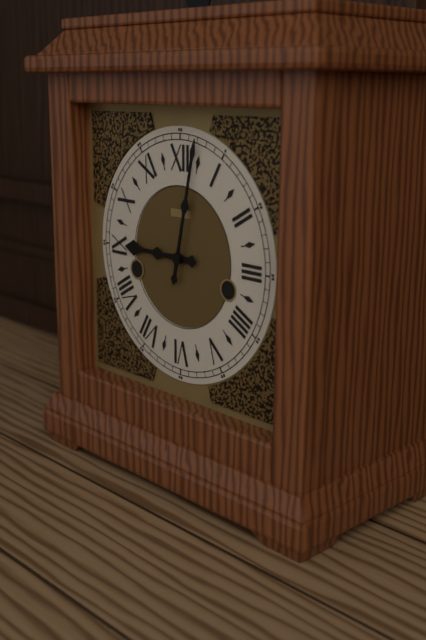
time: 9:02
